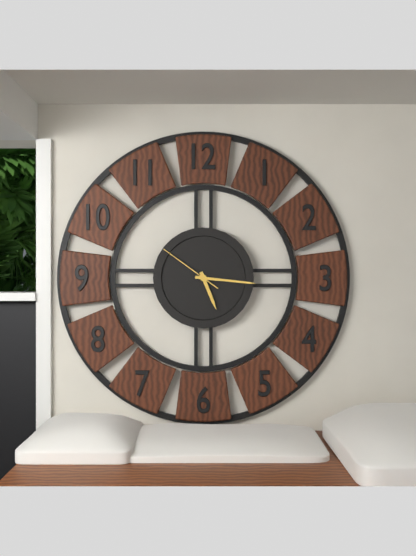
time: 5:16:51
